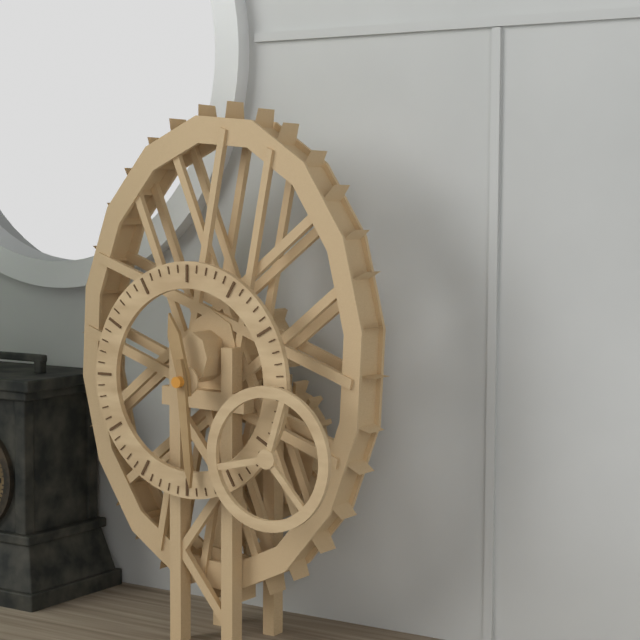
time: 11:29
